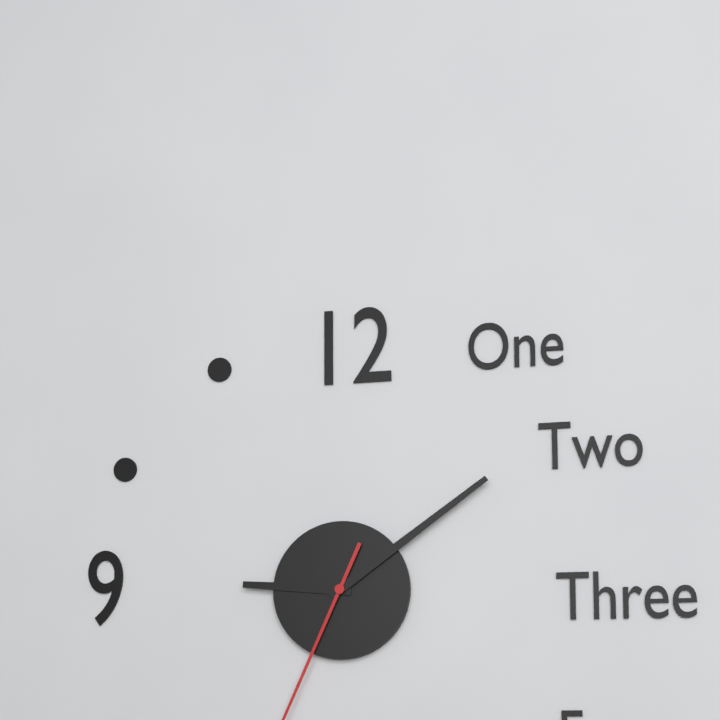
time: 9:09
